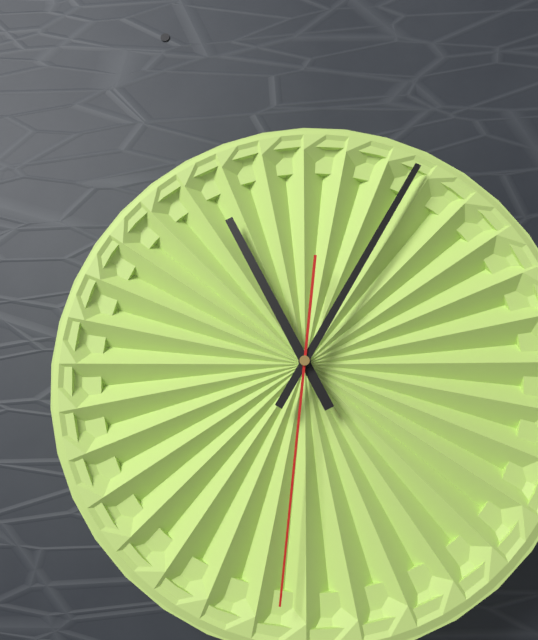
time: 11:05:31
